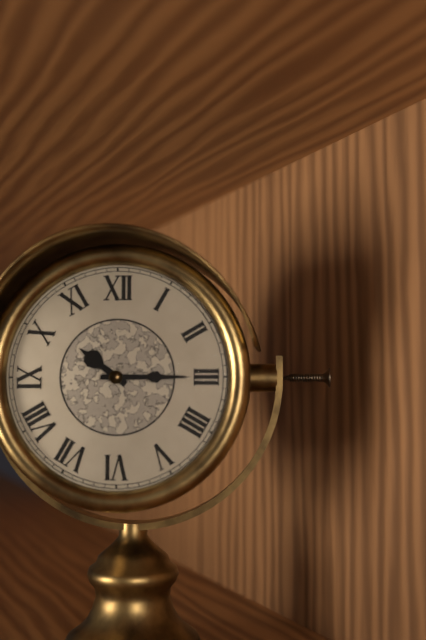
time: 10:15
